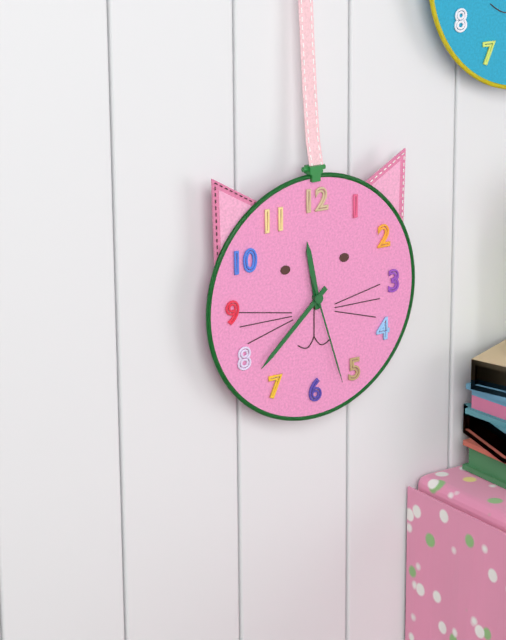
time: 11:38:27
